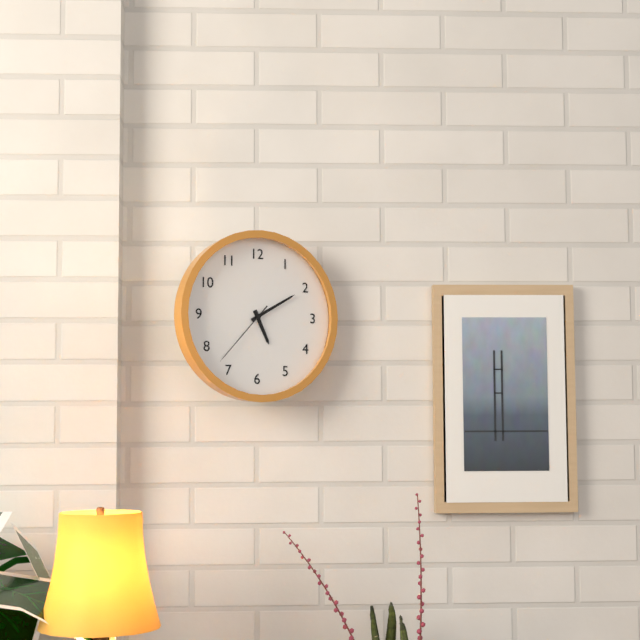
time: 5:10:37
